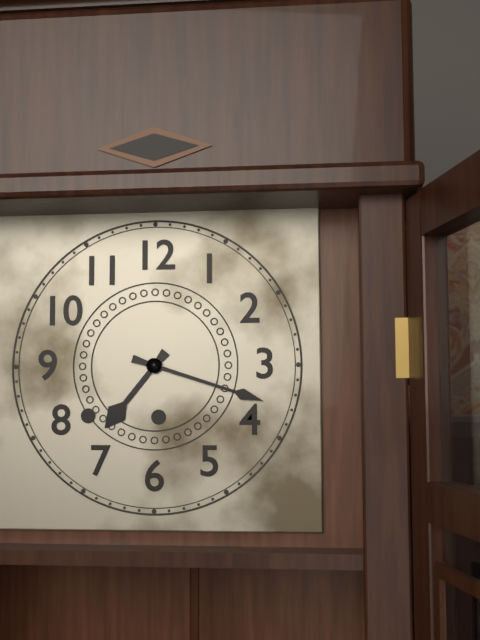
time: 7:18
